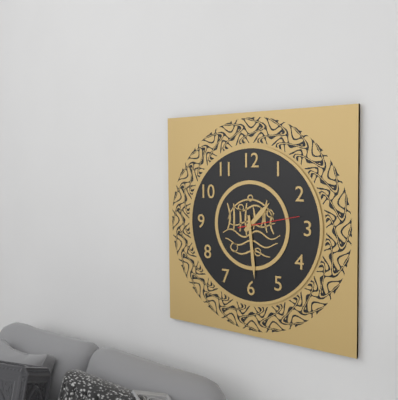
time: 1:29:13
